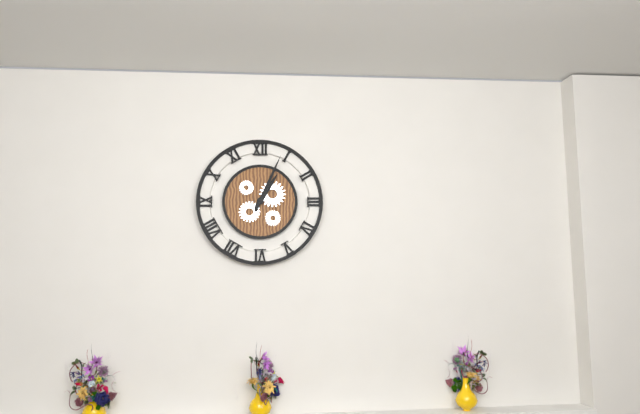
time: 1:04
